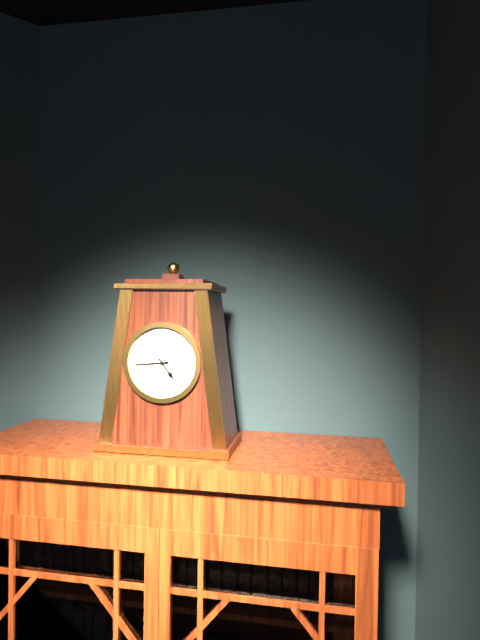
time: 4:44
